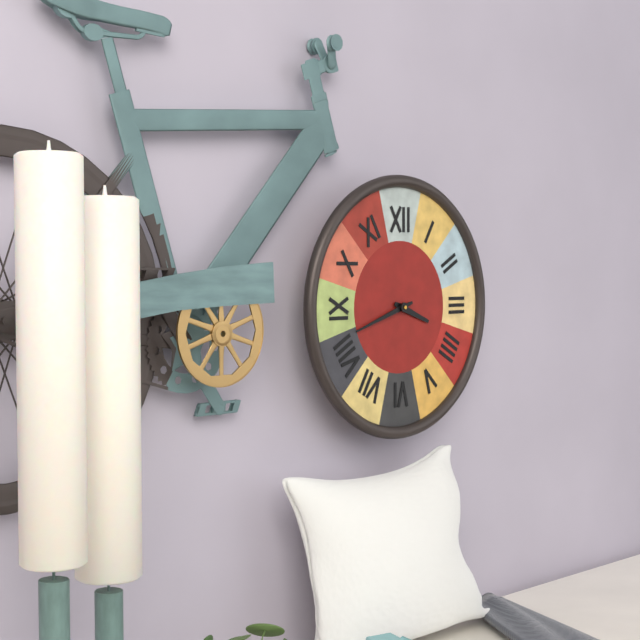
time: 3:42
